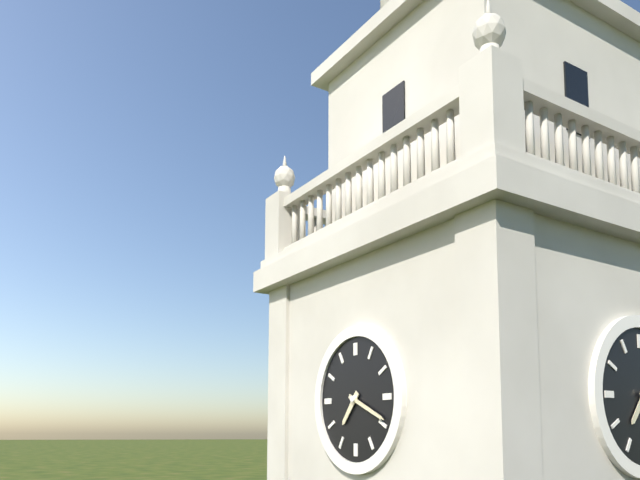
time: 7:19
